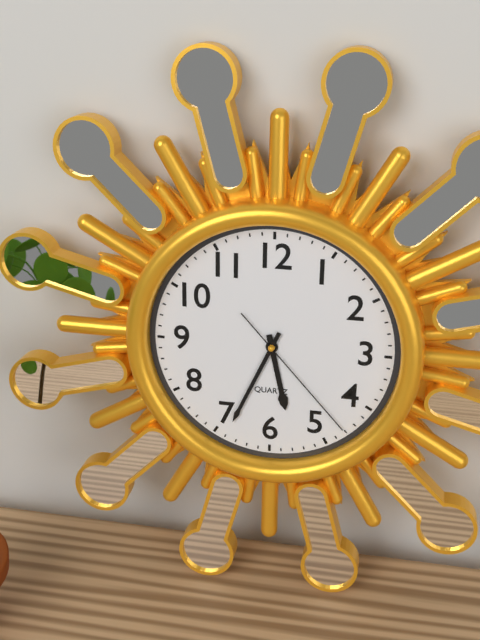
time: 5:34:23
